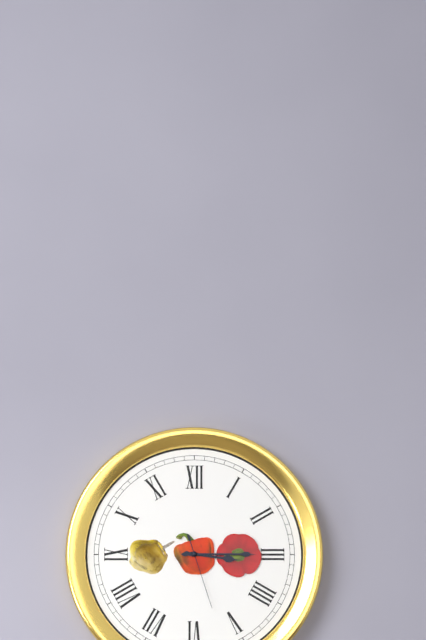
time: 3:15:27
